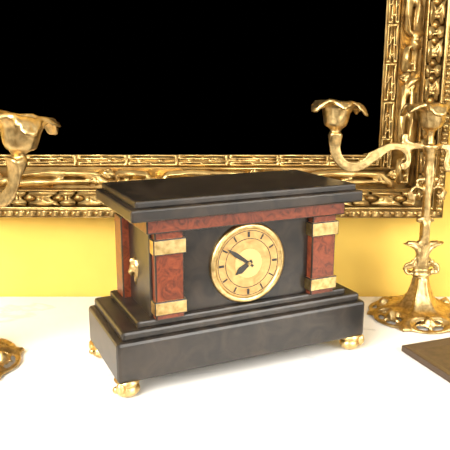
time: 7:51
